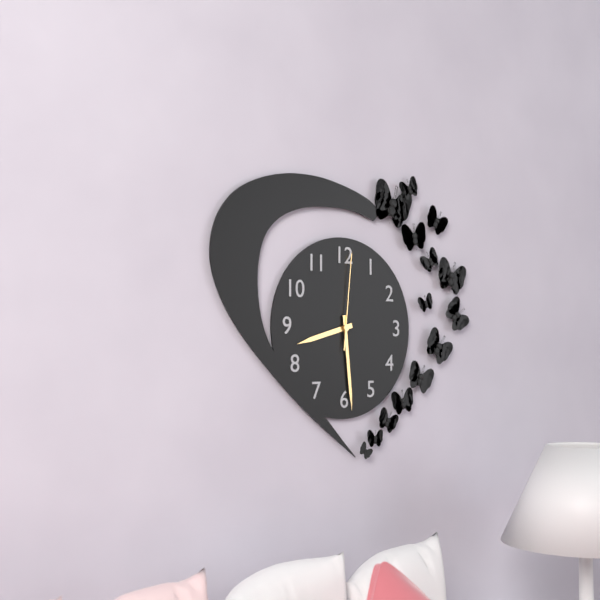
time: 8:29:01
